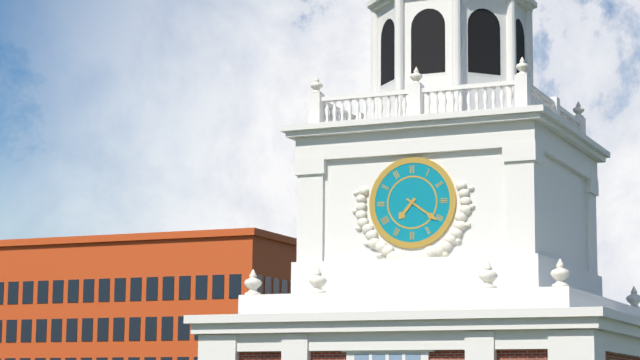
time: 7:21
